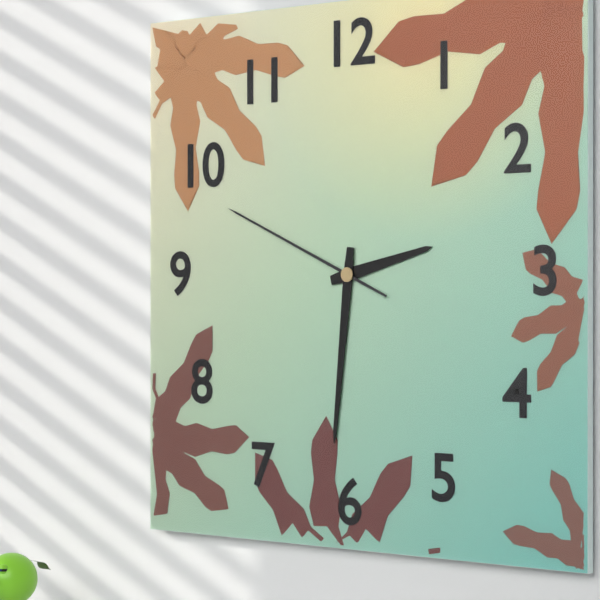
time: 2:31:49
